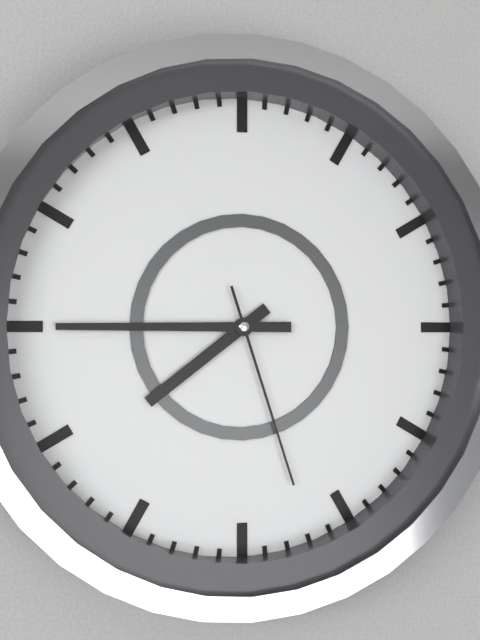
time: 7:45:27
